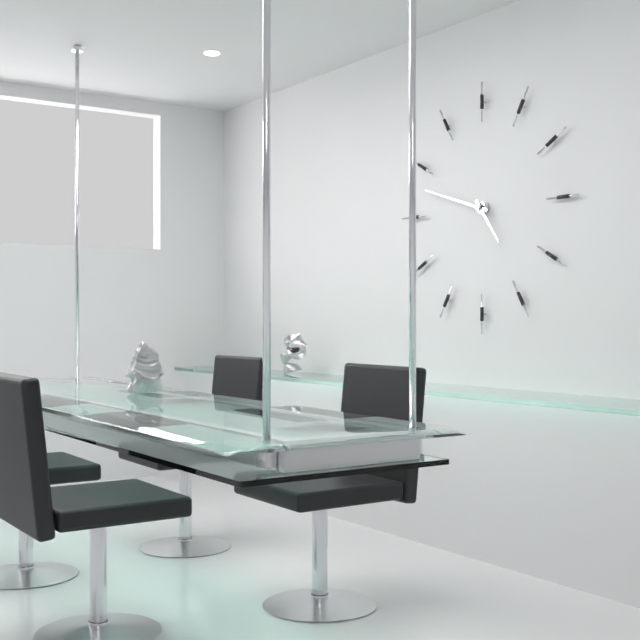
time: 4:48
